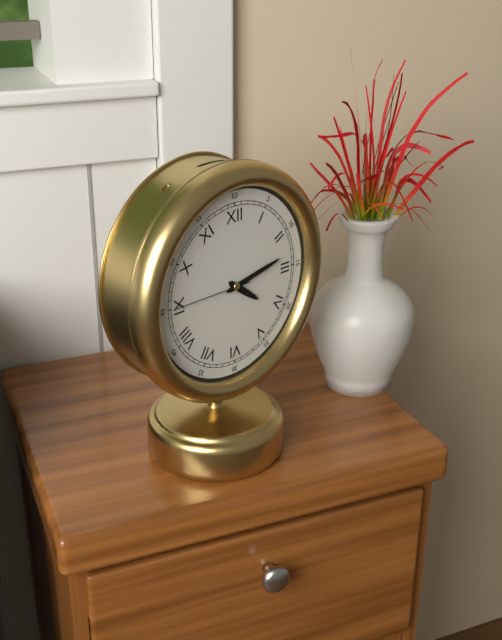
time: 4:13:45
